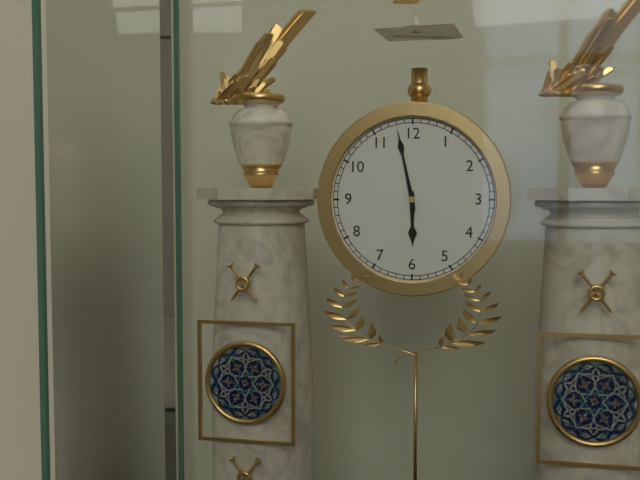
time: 5:58
